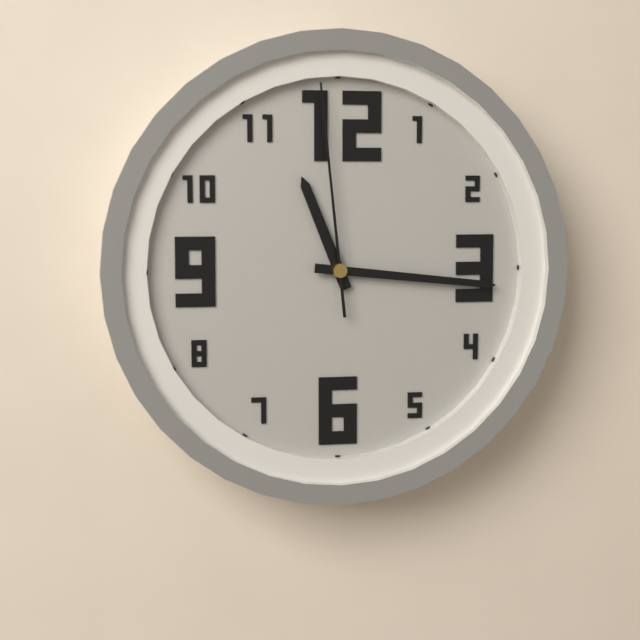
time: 11:16:59
